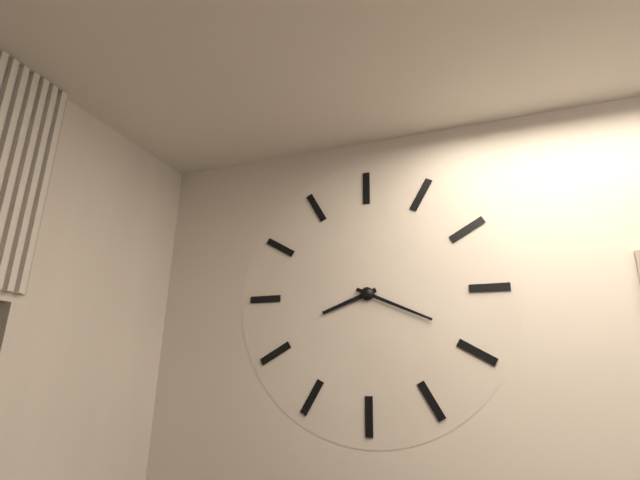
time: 8:19
